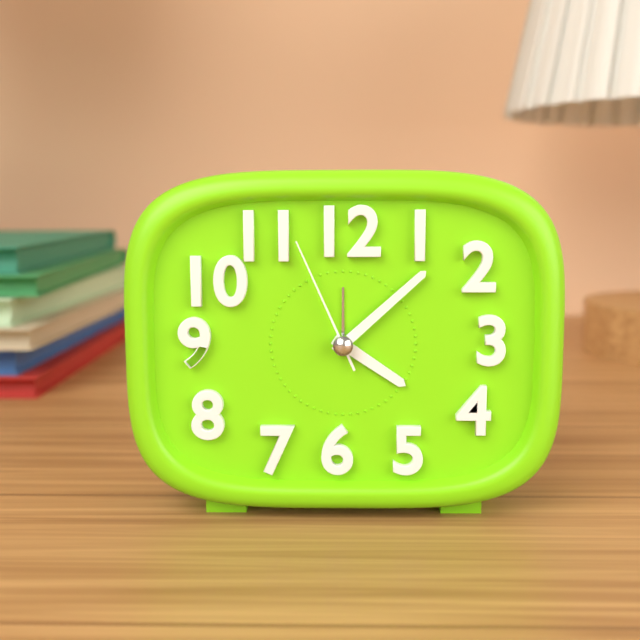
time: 4:08:56
